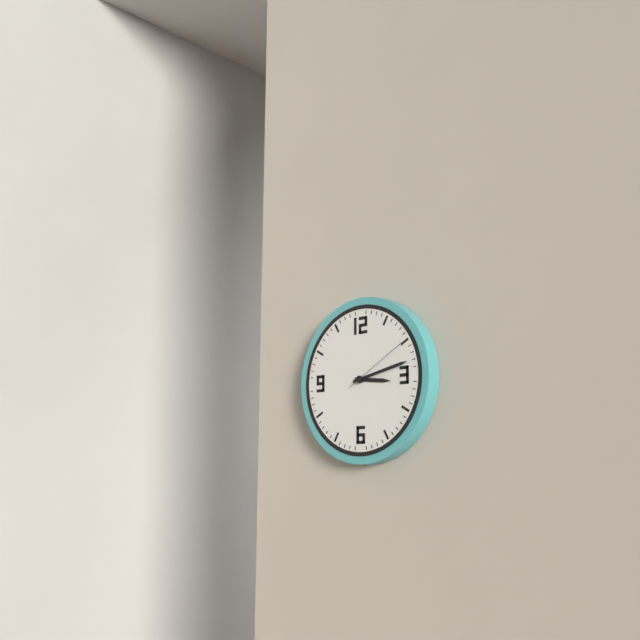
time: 3:13:10
